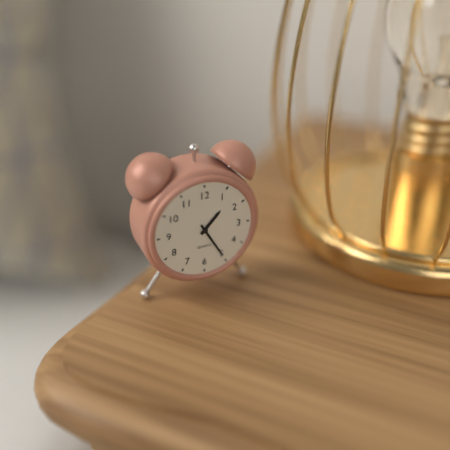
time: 1:25
